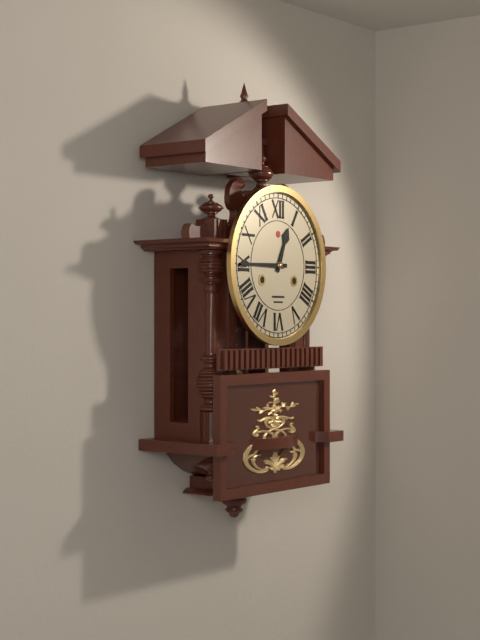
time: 12:45
